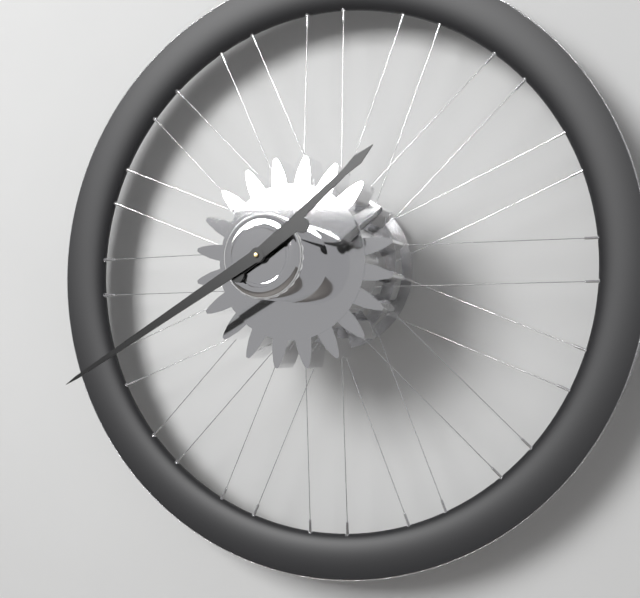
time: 1:40
